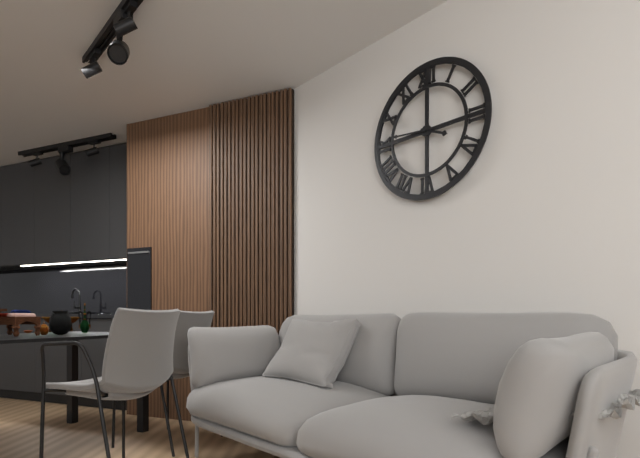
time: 3:46
